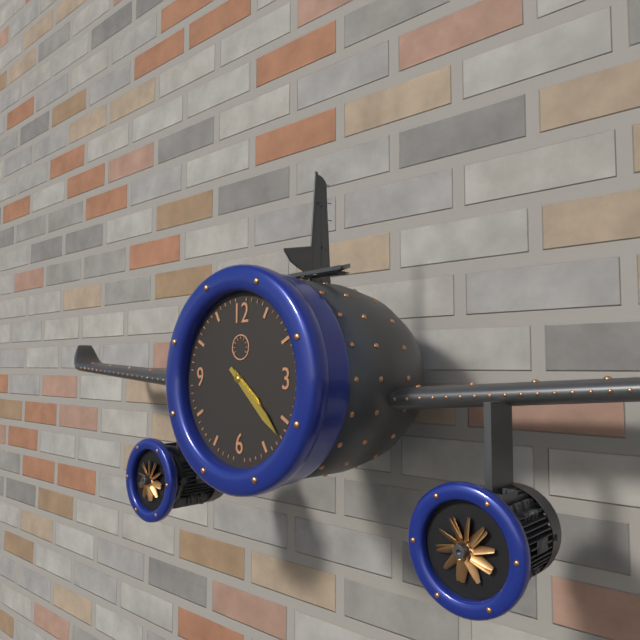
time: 4:22
